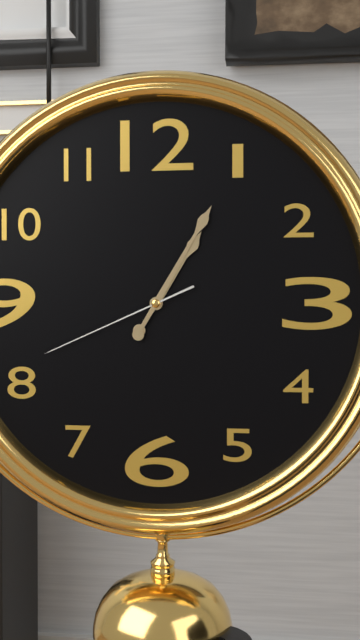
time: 1:05:41
